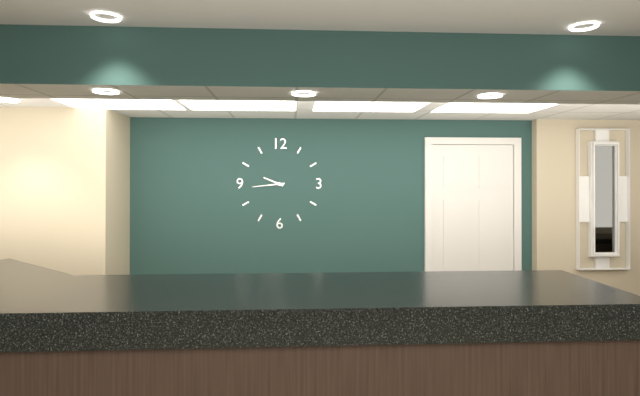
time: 9:44
